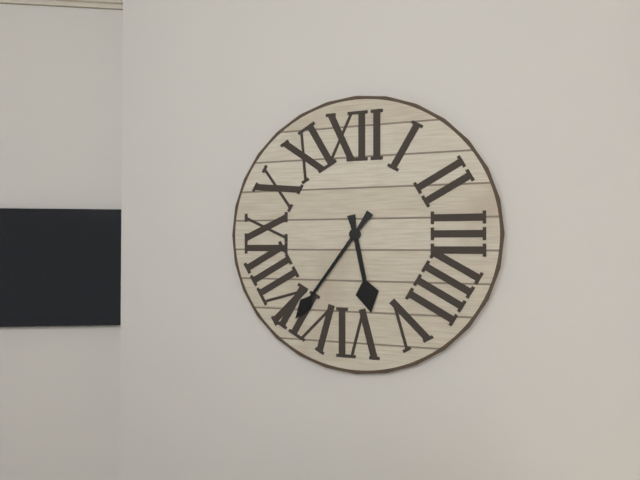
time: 5:36
